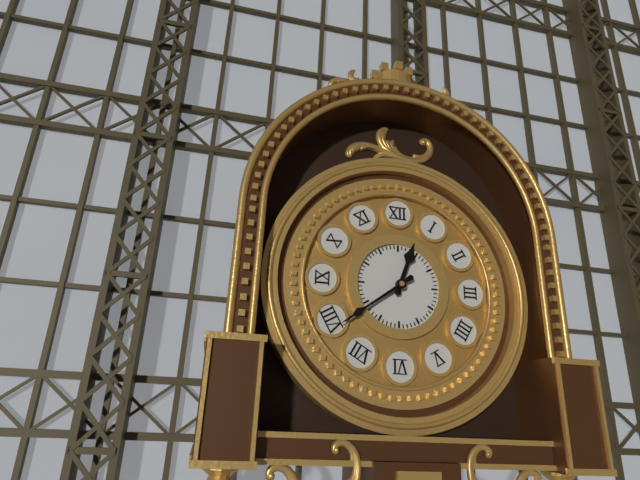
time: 12:39
